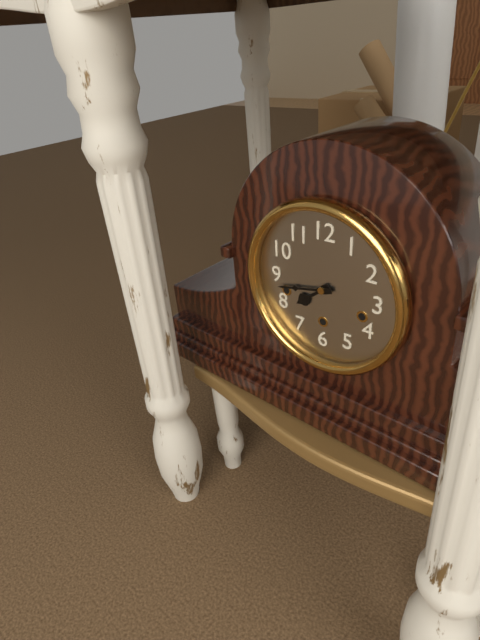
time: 7:43
